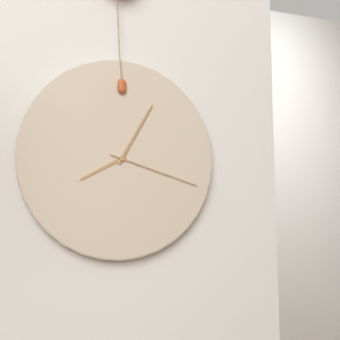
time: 8:05:18
